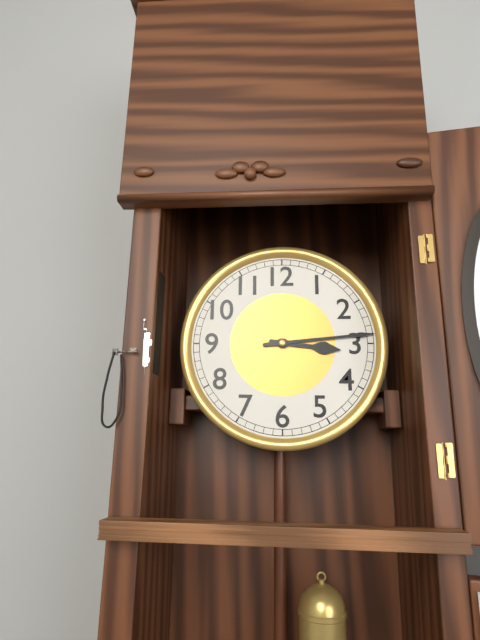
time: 3:14
